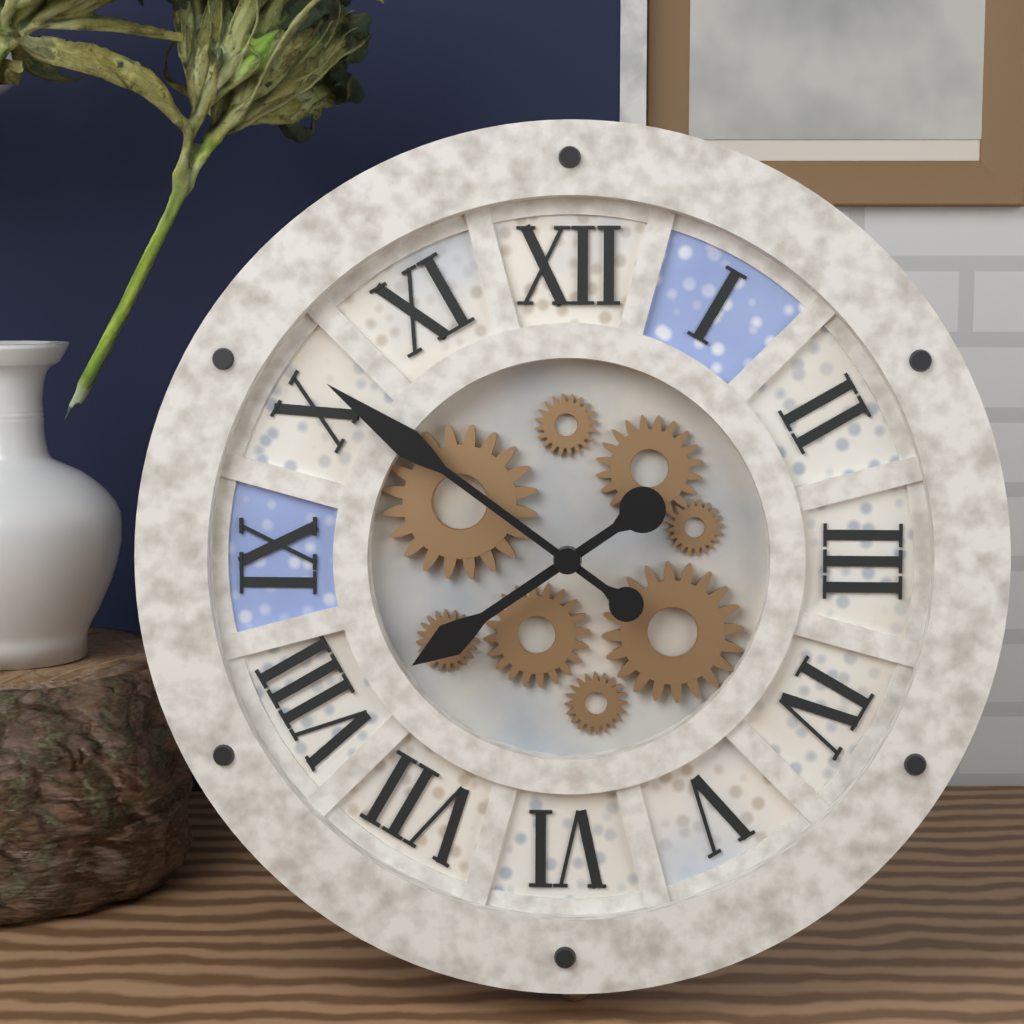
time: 7:51
